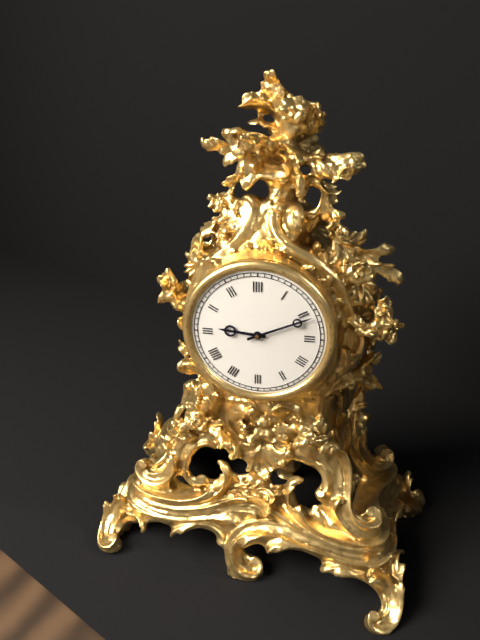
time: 9:11
